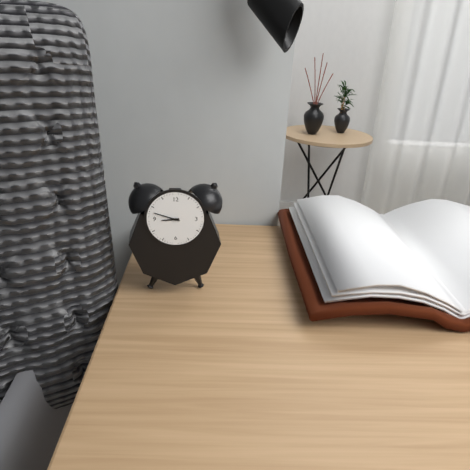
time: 8:48
